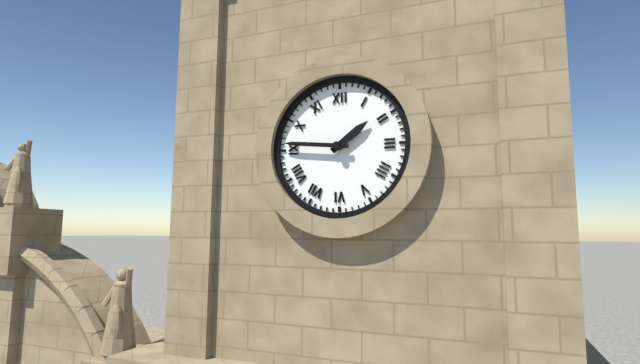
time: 1:46
